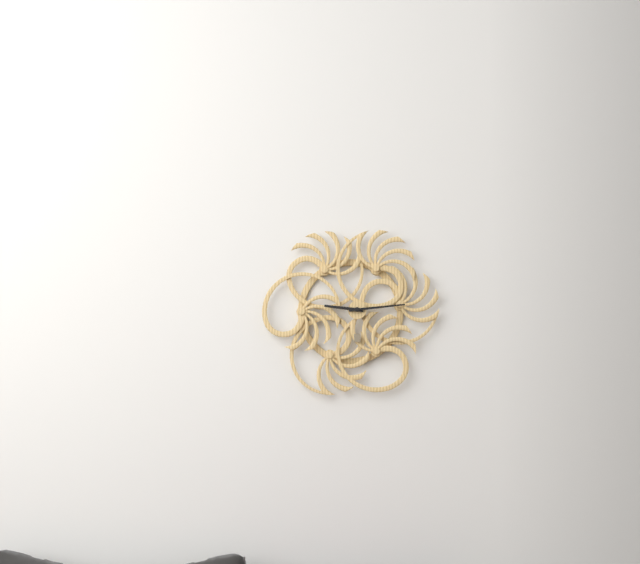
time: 9:14
